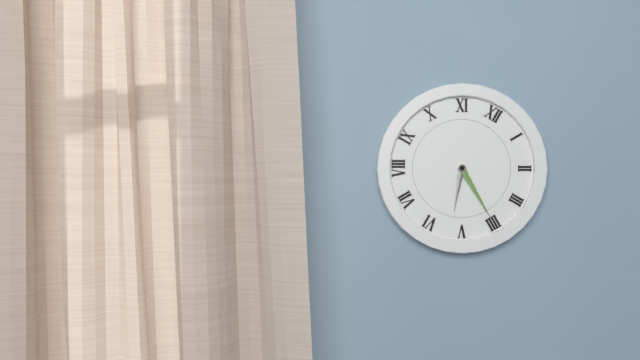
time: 5:20
